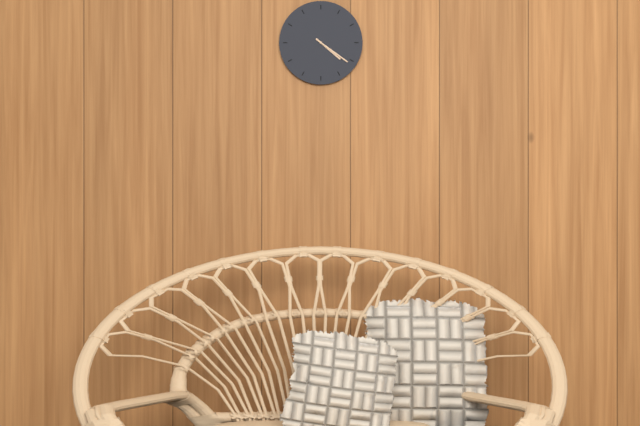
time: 4:21
